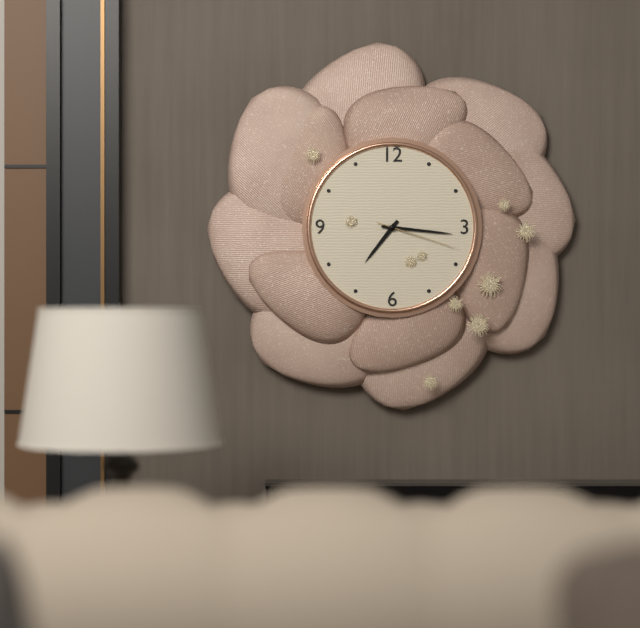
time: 7:16:18
